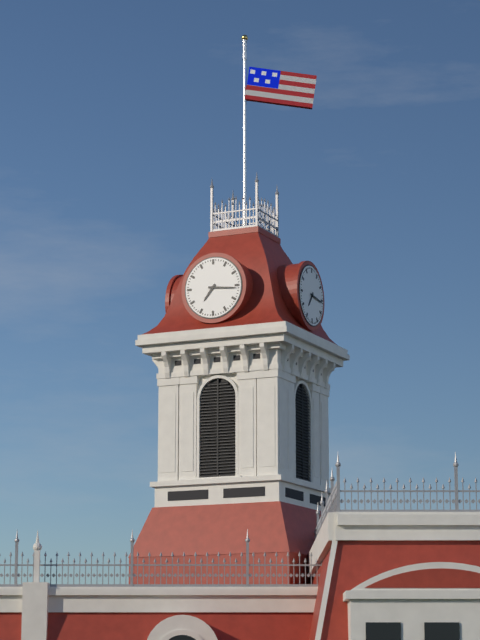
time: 7:16
